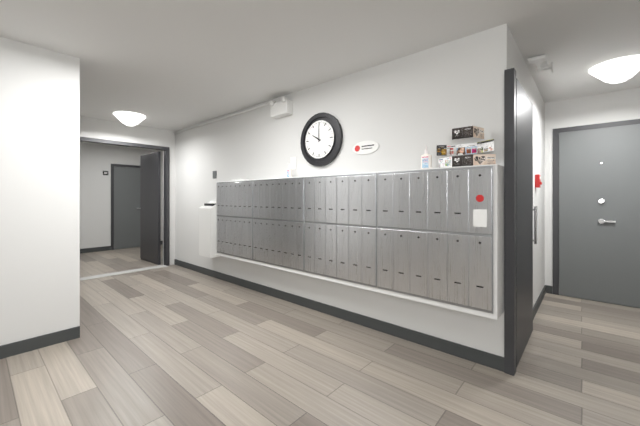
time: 10:00
